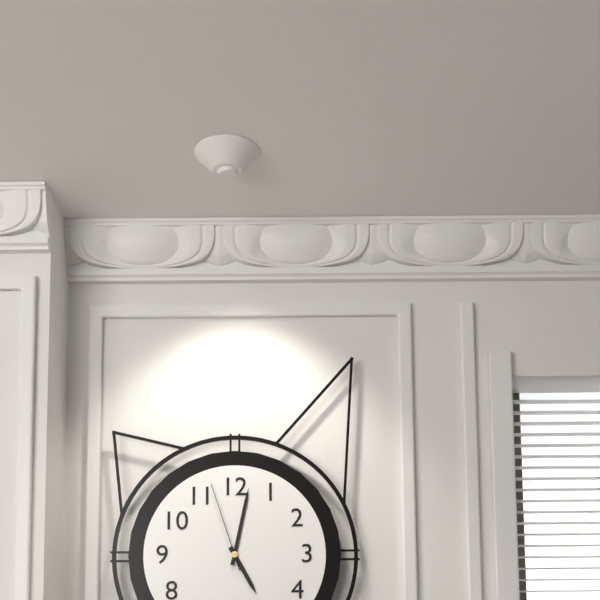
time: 5:02:57
